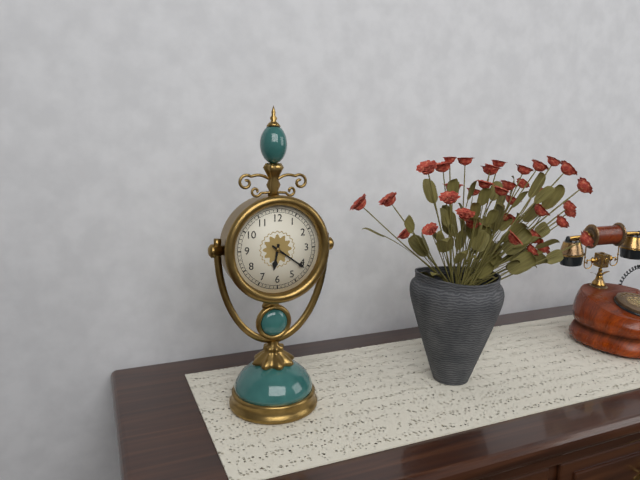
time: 6:21
